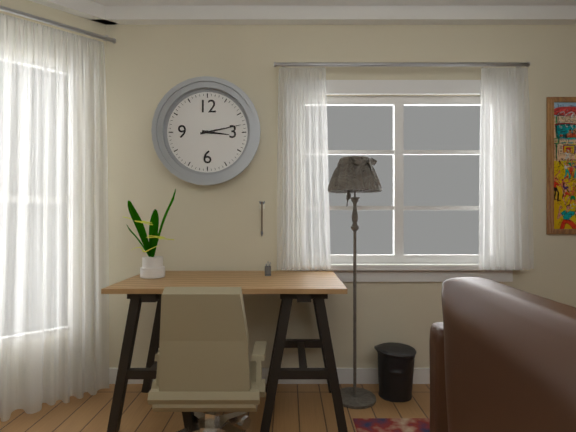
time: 3:13
